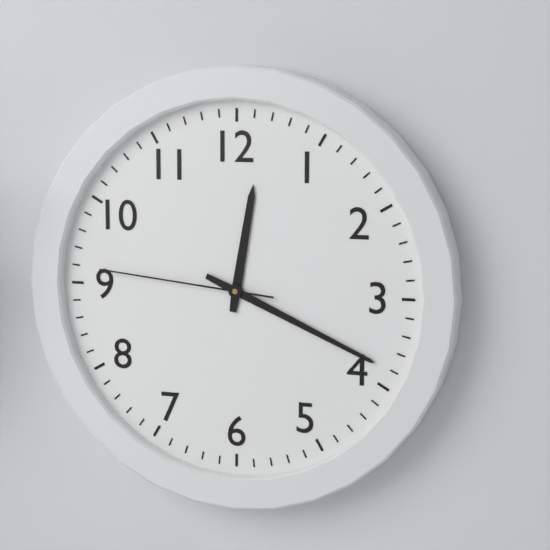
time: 12:19:46
